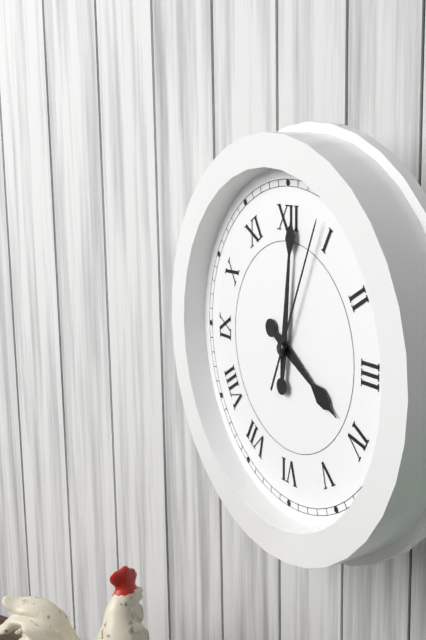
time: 4:01:04
